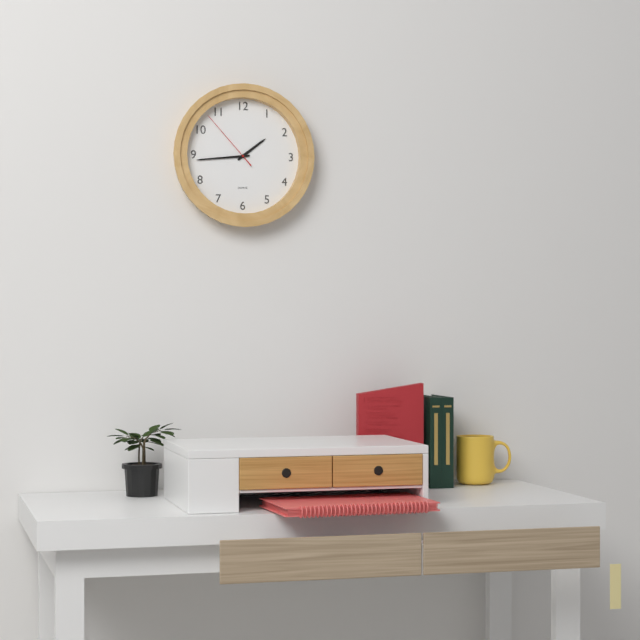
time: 1:44:53
